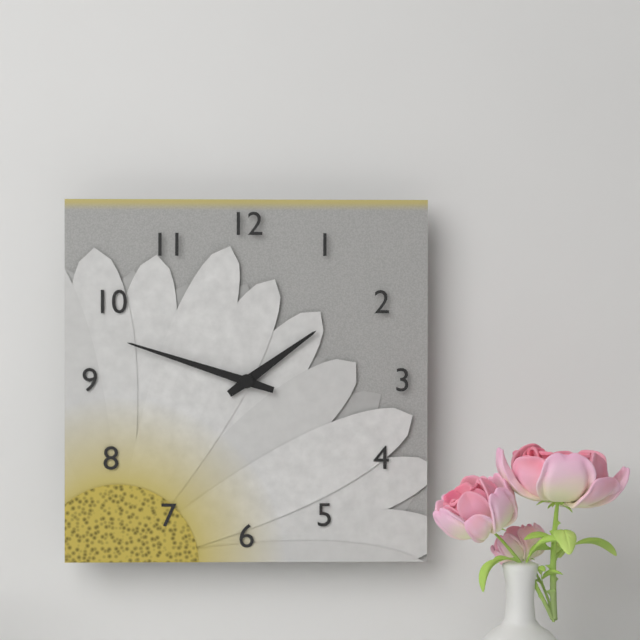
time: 1:48
